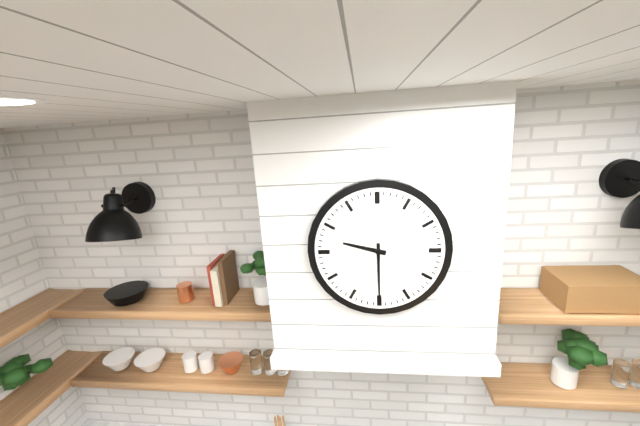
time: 9:30
